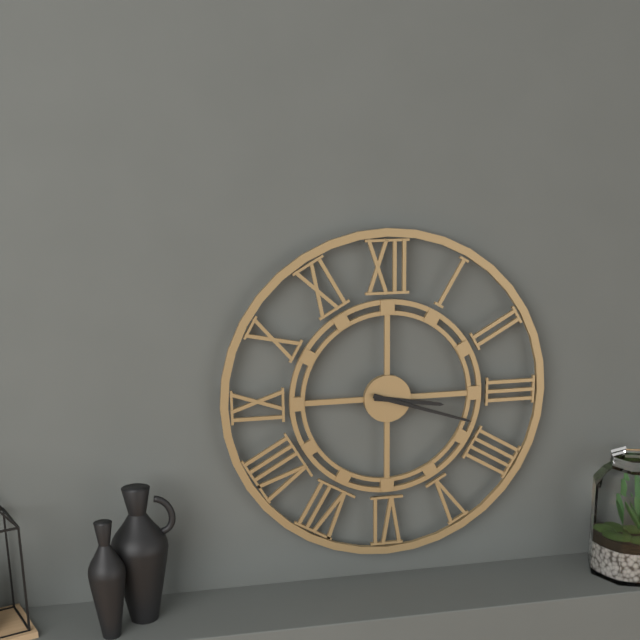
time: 3:18
